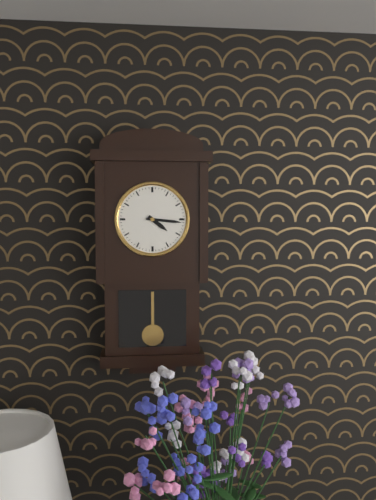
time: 4:16
